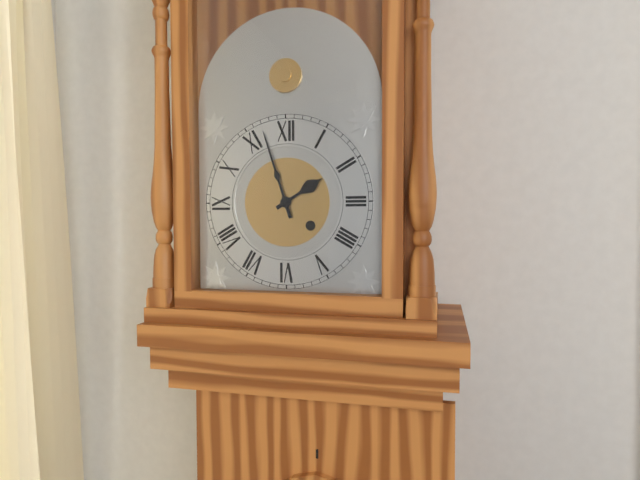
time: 1:57
